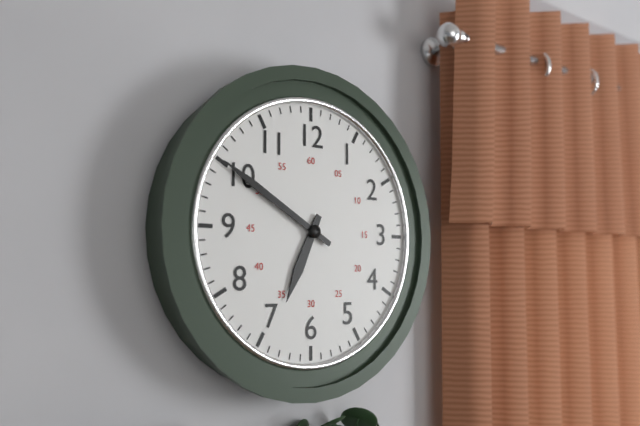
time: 6:50
